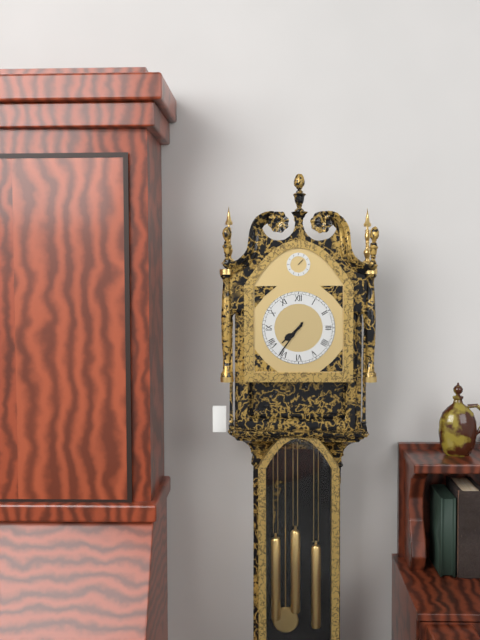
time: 7:36
